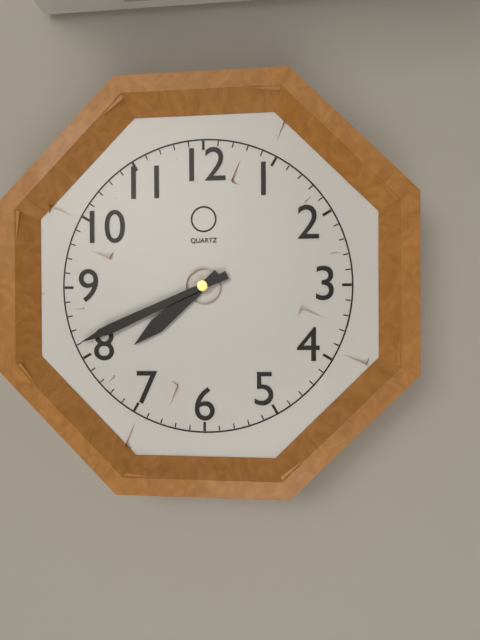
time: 7:41
